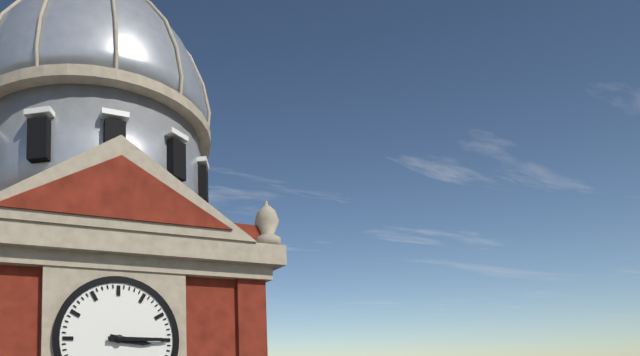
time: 3:15
